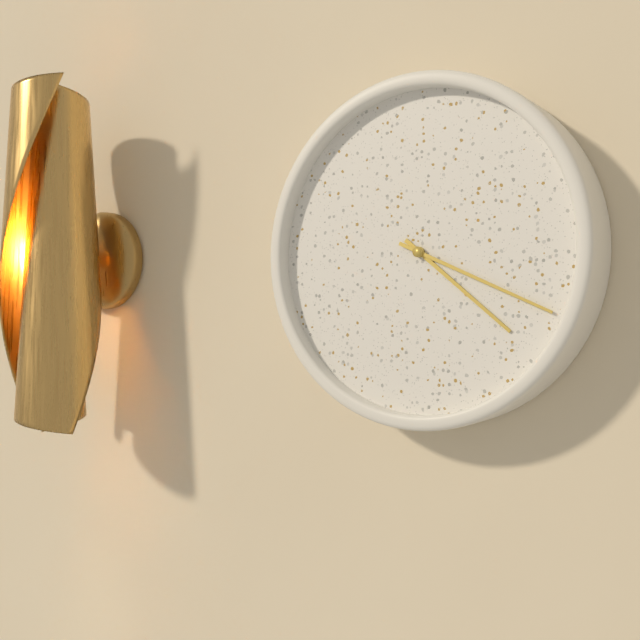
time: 4:19
